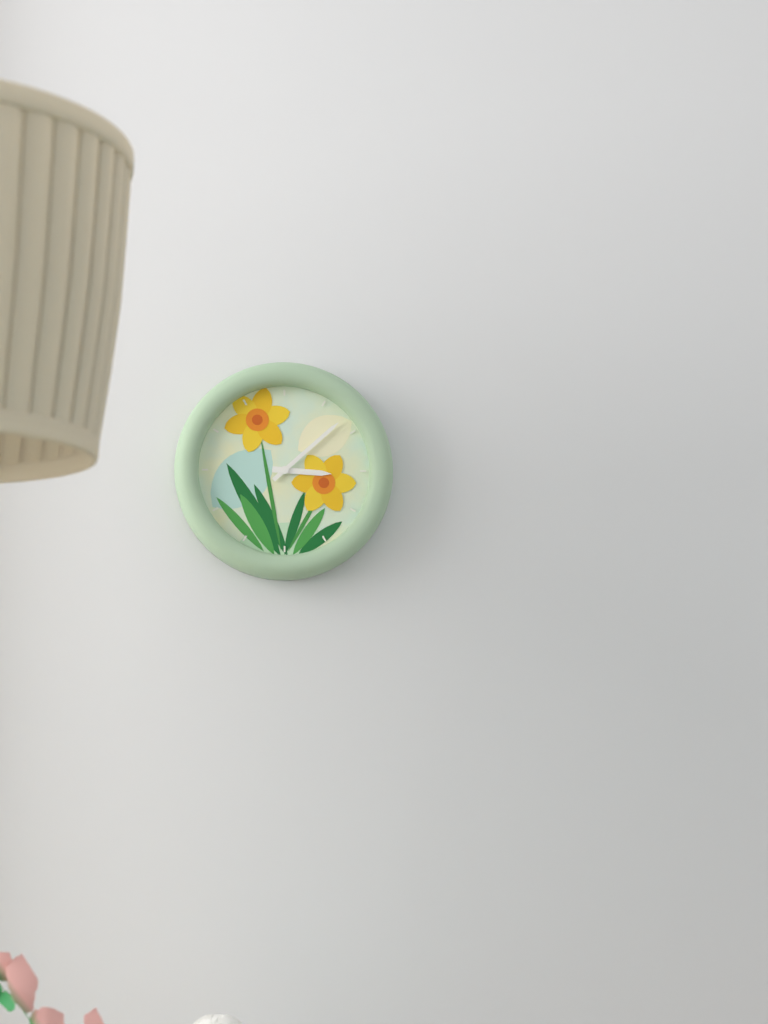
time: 3:08
